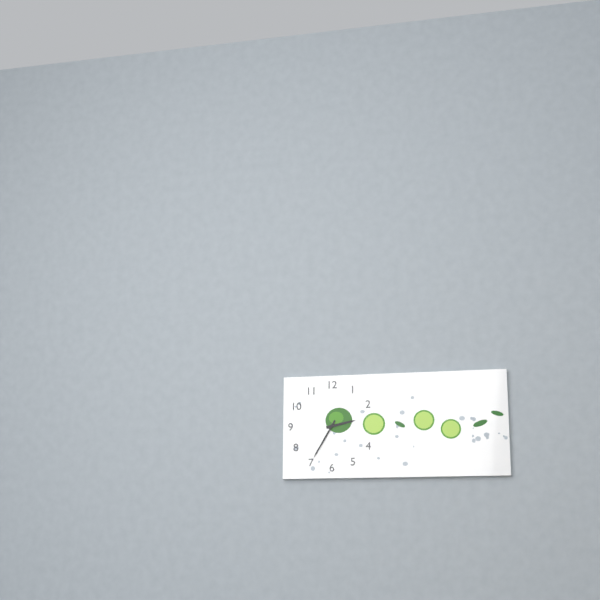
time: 2:35
